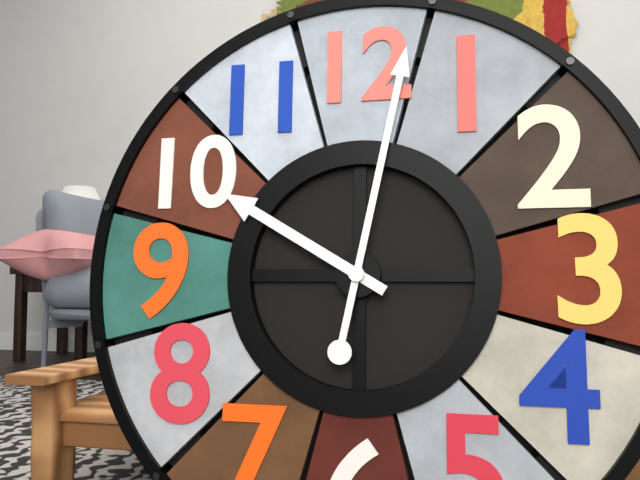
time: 10:02
